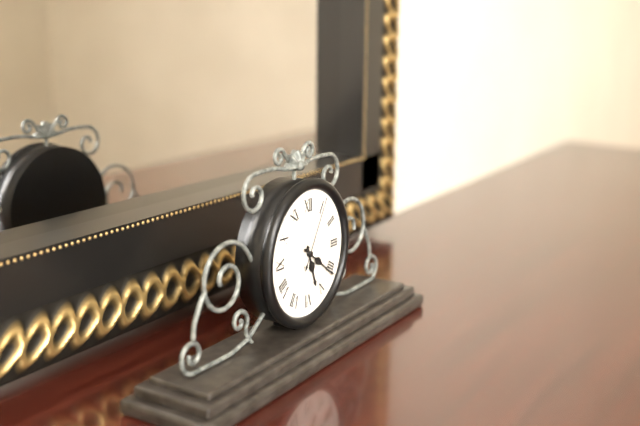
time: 5:21:05
